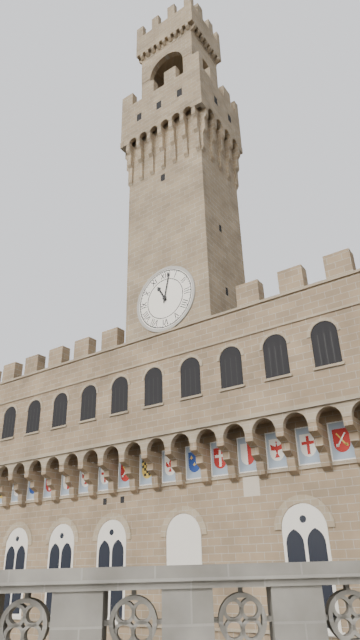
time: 11:02
